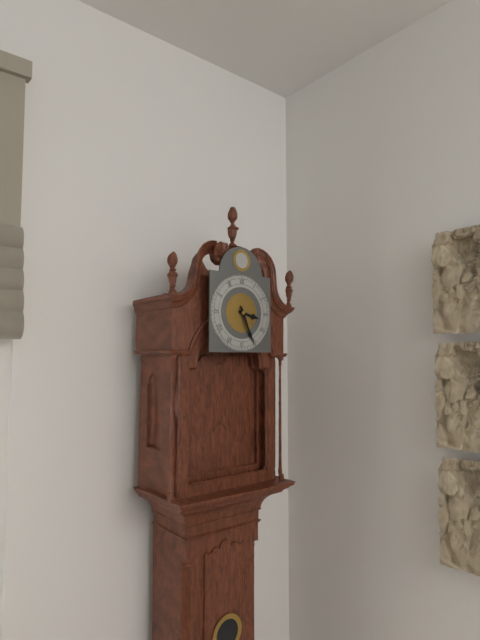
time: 3:26
